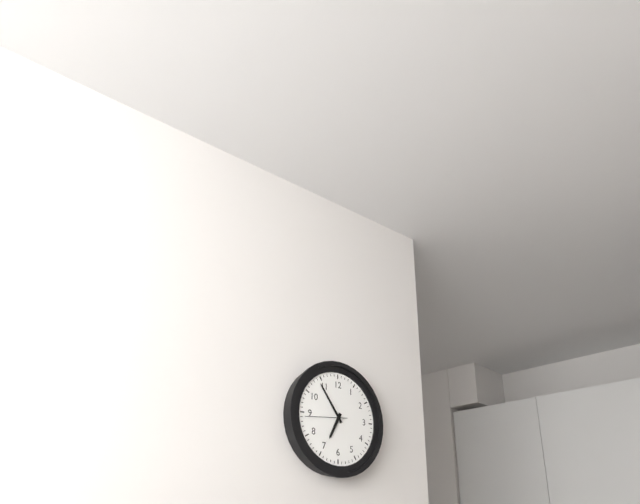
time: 6:54
